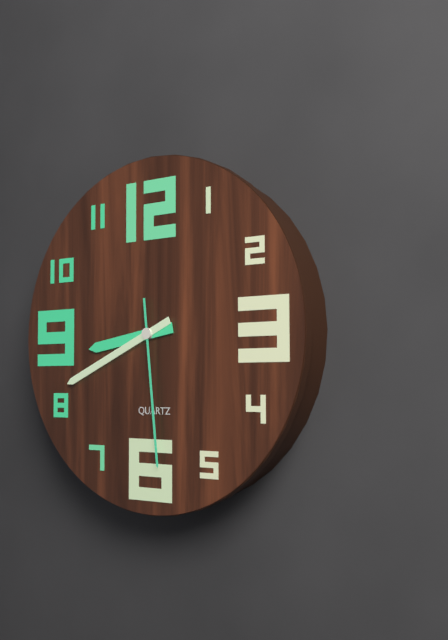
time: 8:41:29
